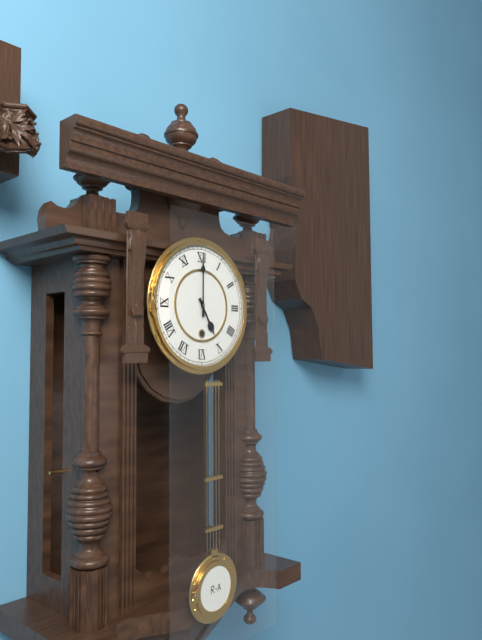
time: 5:00
